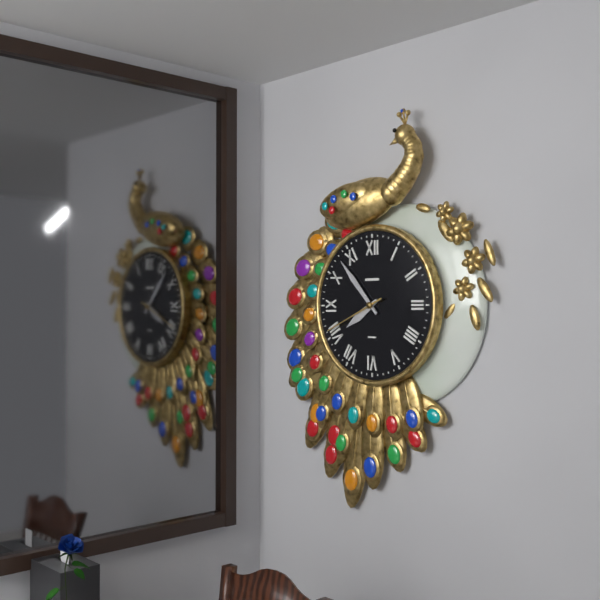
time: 7:53:41
